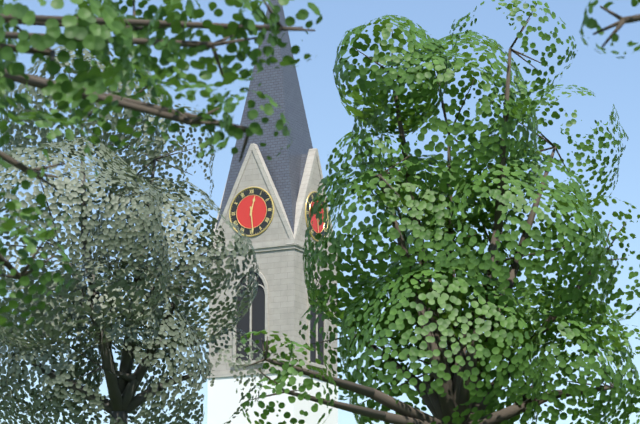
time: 12:29
